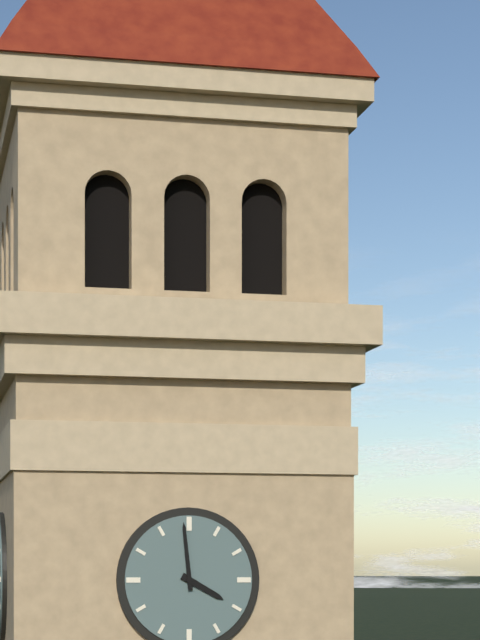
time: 3:59
